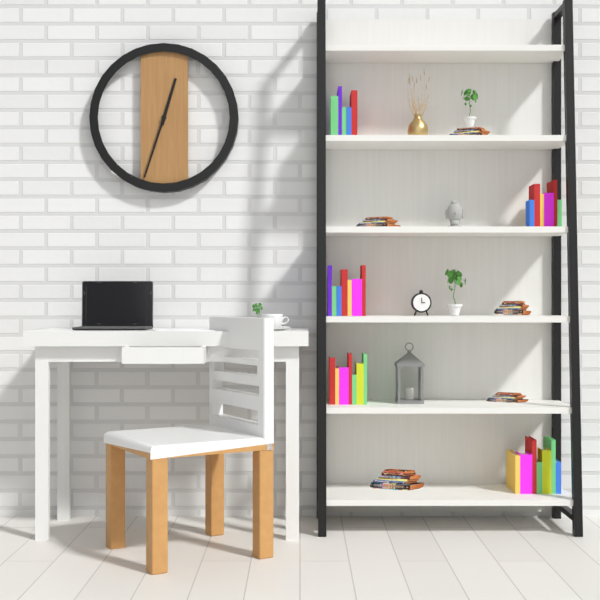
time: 12:33
